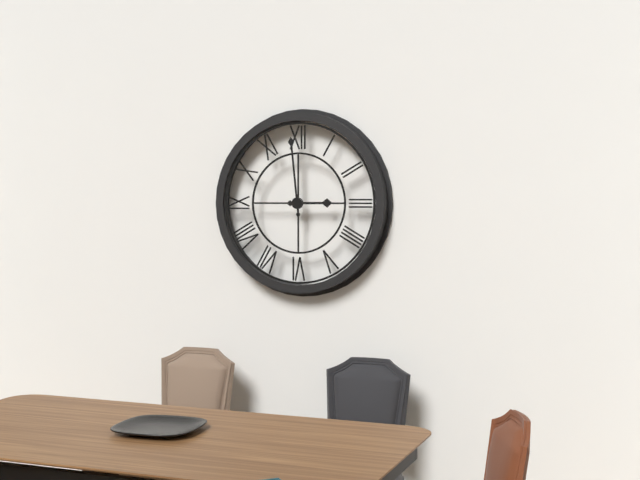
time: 2:59
